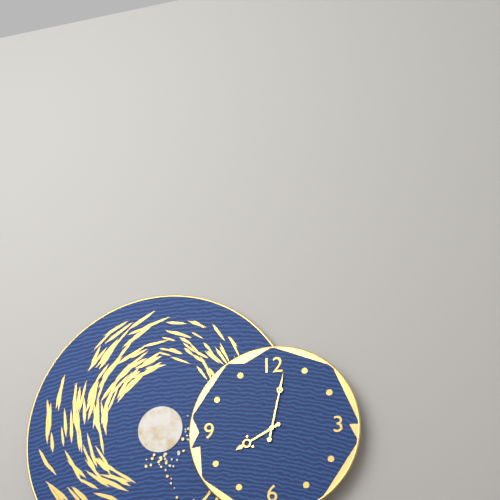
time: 8:02
